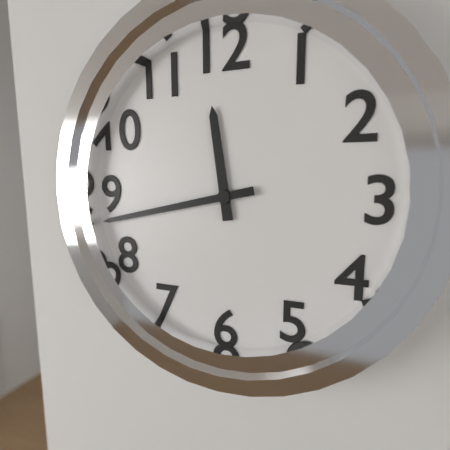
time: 11:43
